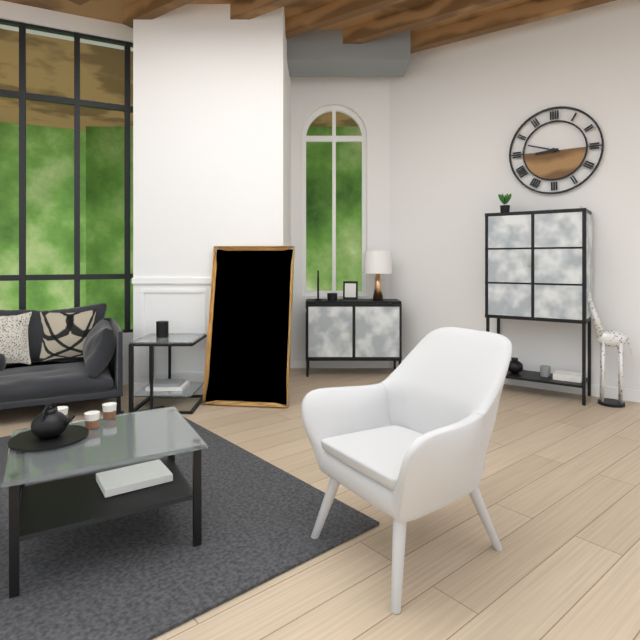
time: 8:48
